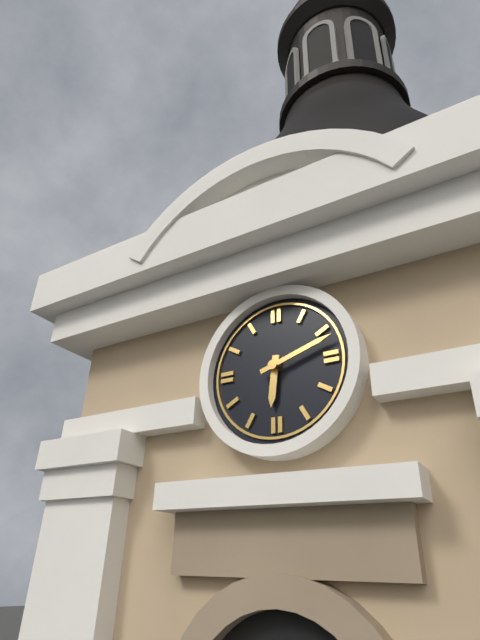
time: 6:12
